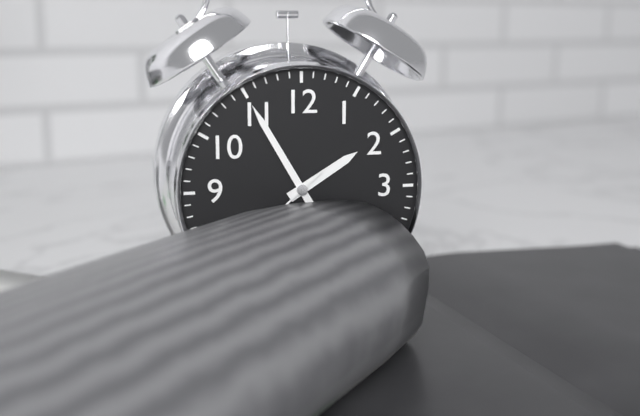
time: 1:55
